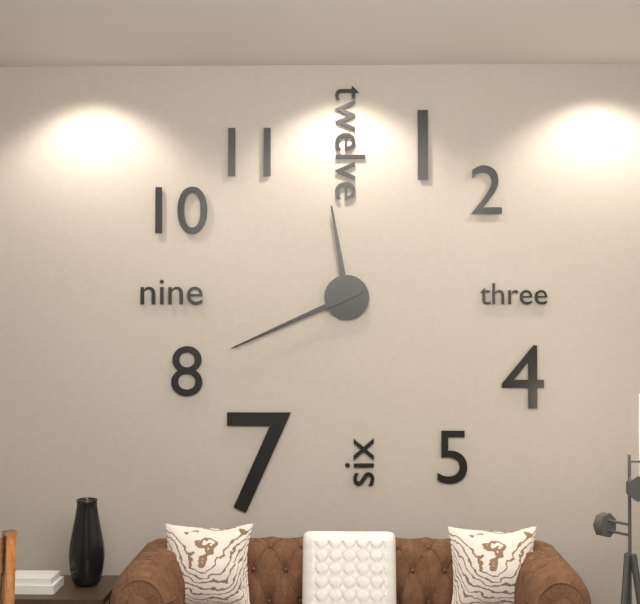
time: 11:41
